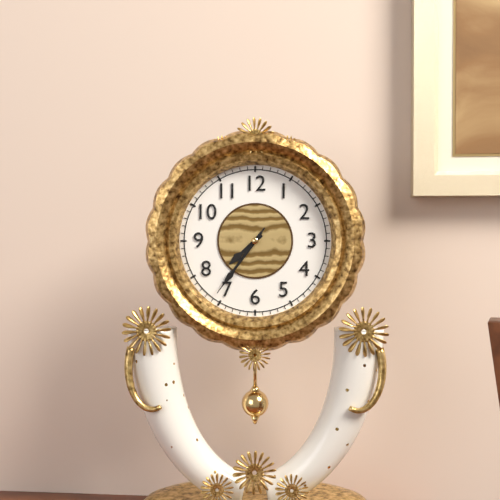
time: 7:36:36
